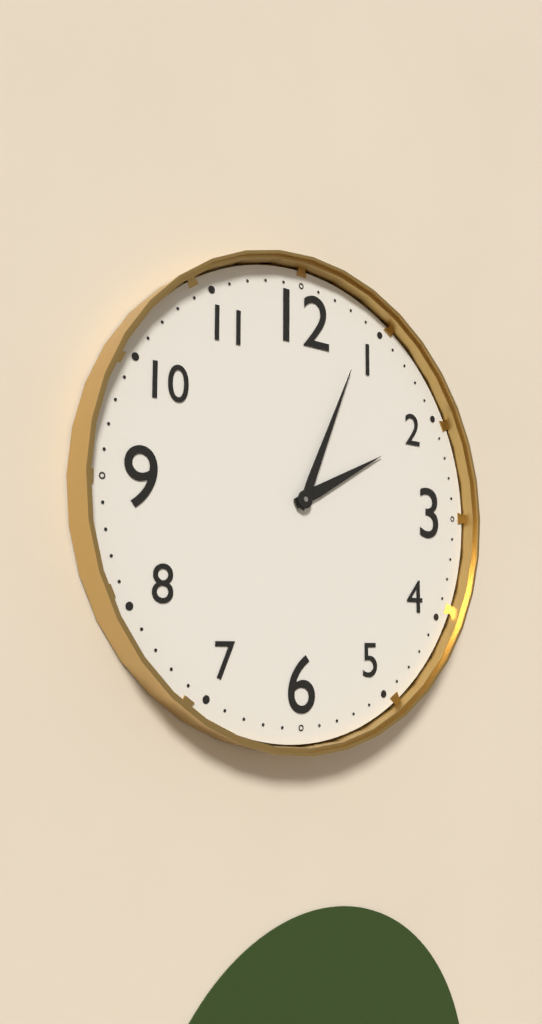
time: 2:04
